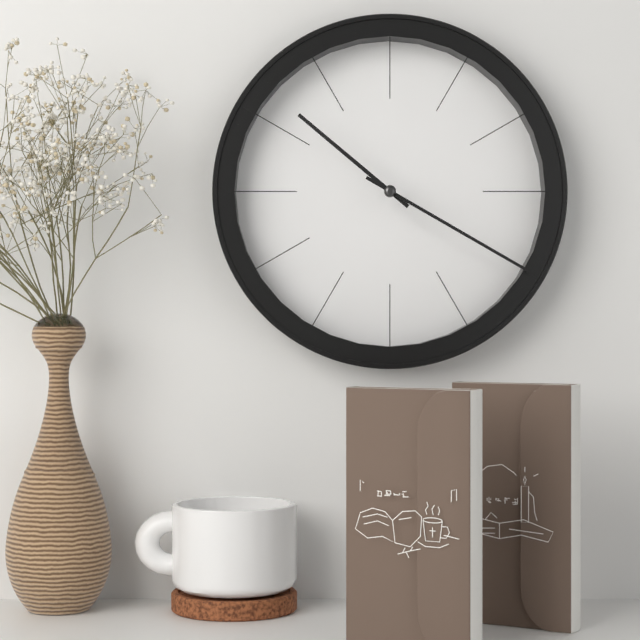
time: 10:20
